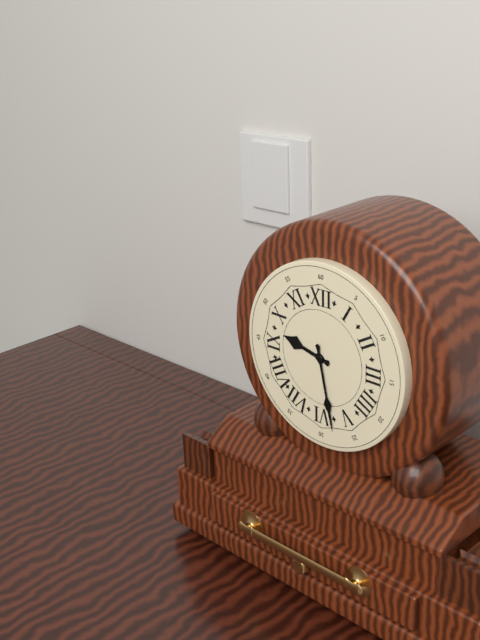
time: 9:28
